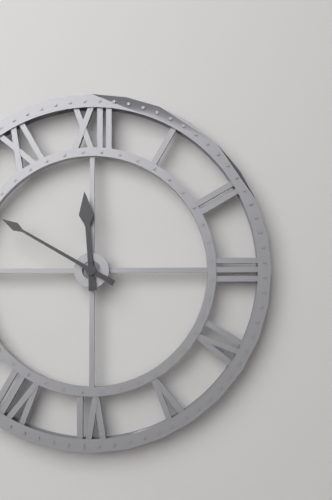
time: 11:50
